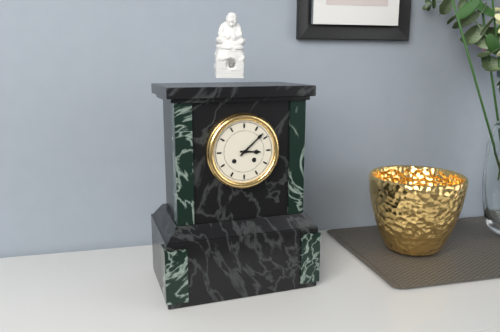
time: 3:08
